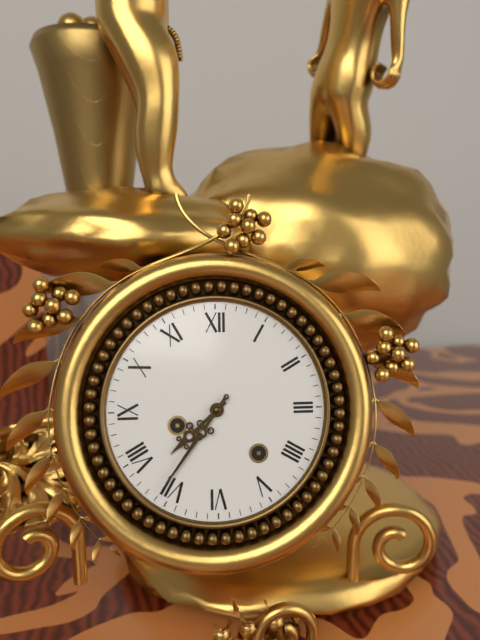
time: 7:36
